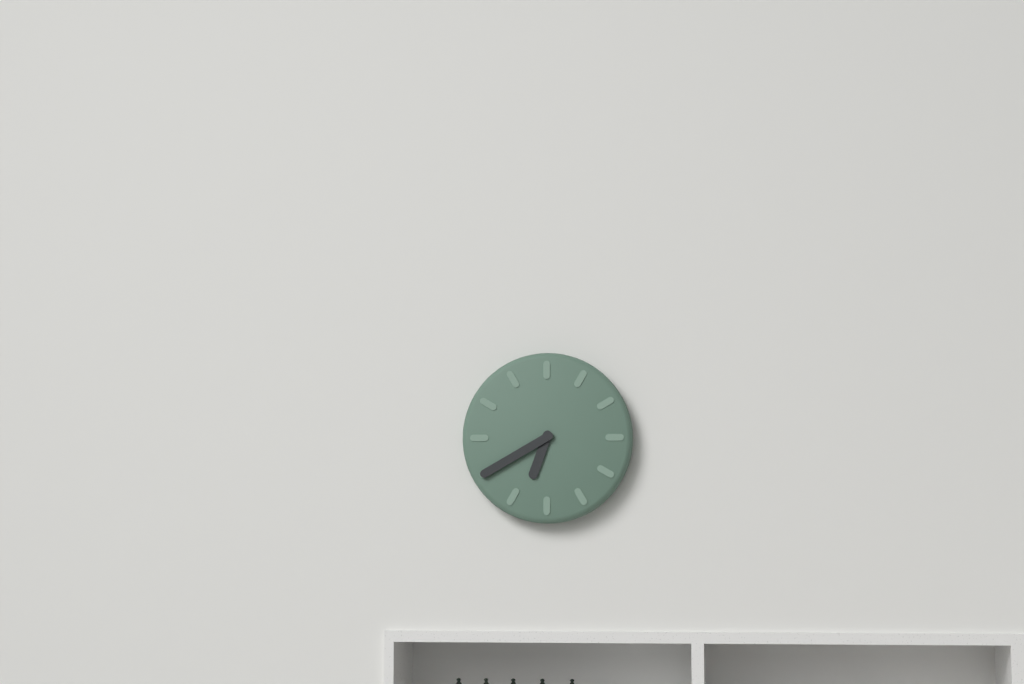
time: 6:40
